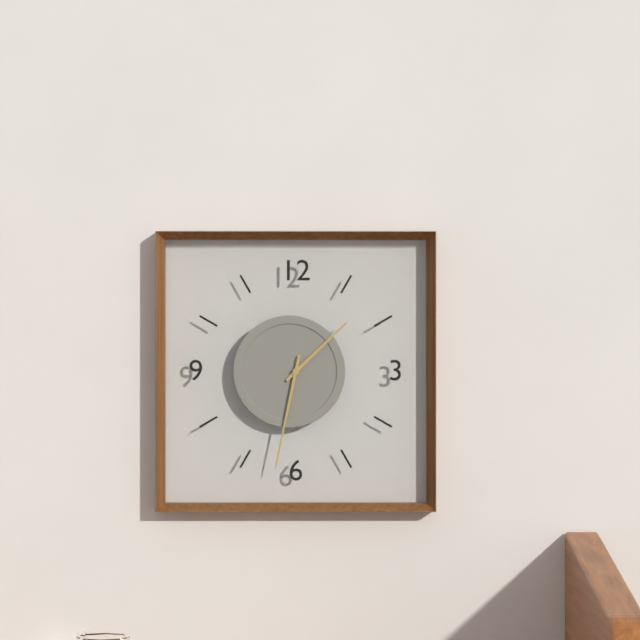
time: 1:32
